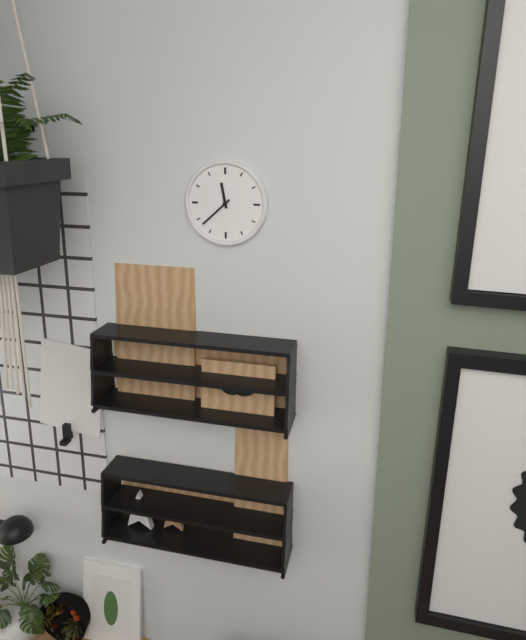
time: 11:38
